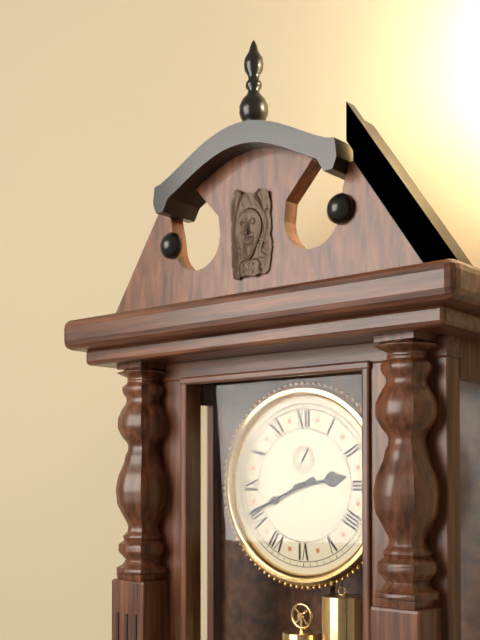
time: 2:41
